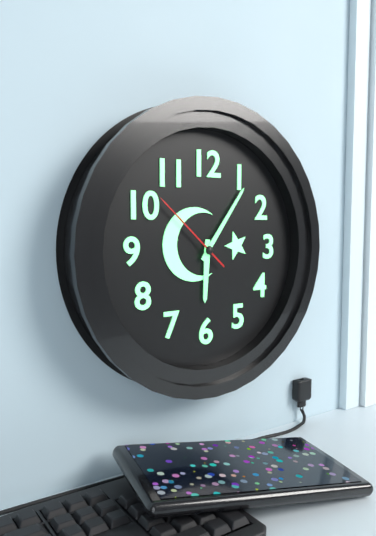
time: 6:06:52
